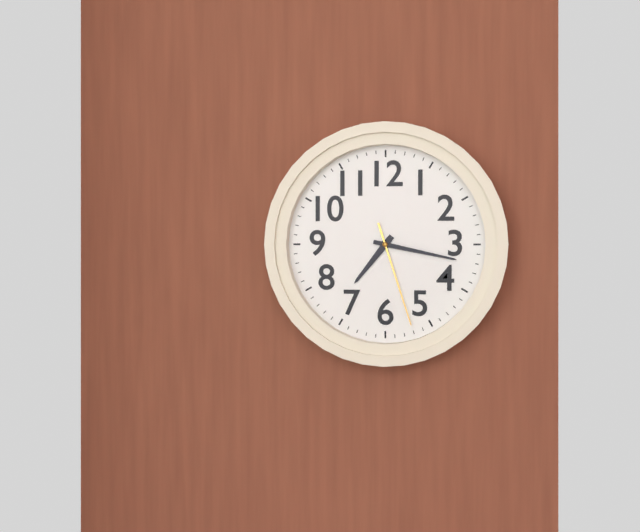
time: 7:17:27
